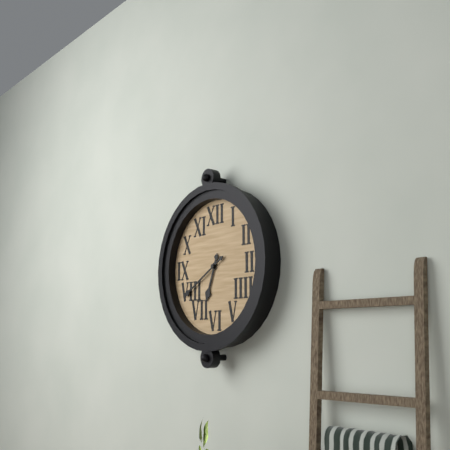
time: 6:40
